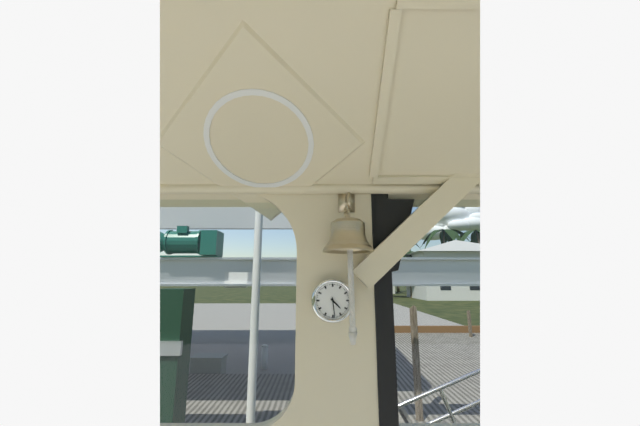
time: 4:29
